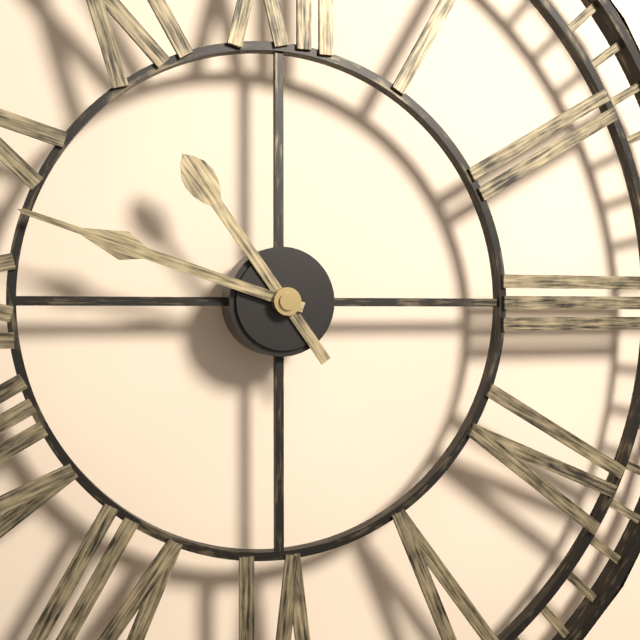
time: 10:48
